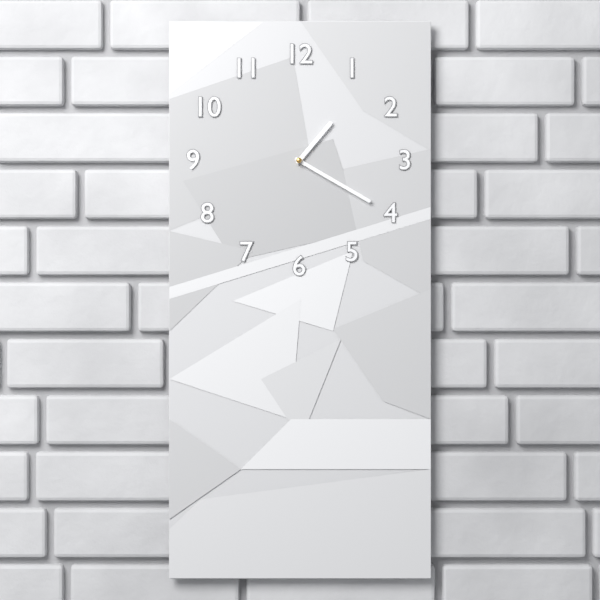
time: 1:20
